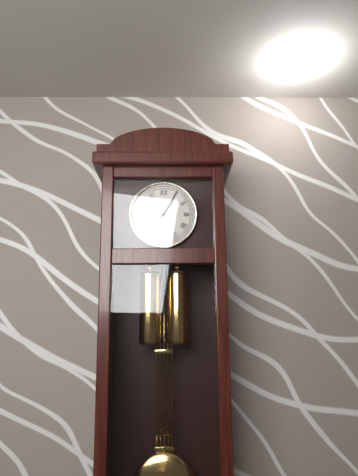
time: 1:05
